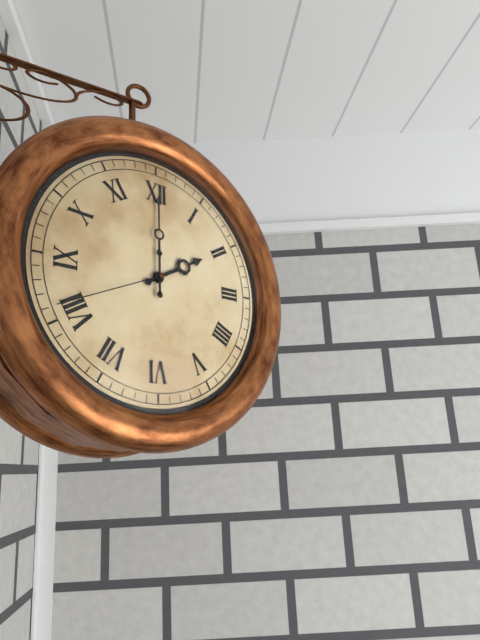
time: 2:00:41
